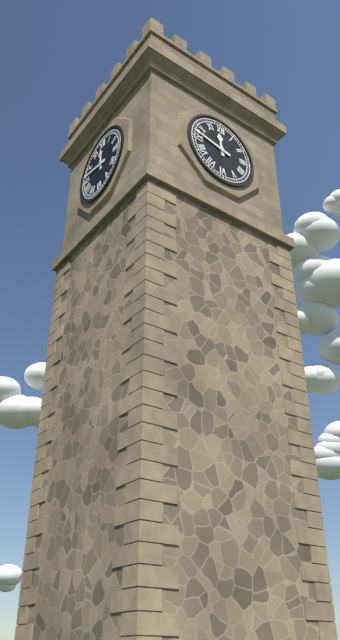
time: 11:47
